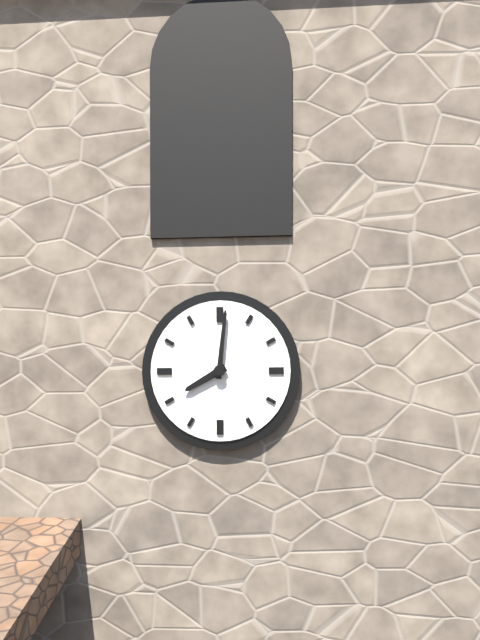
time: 8:01
